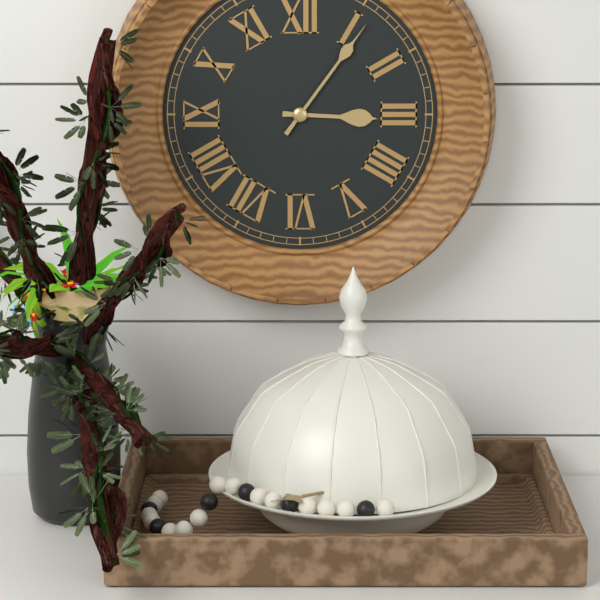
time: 3:06
